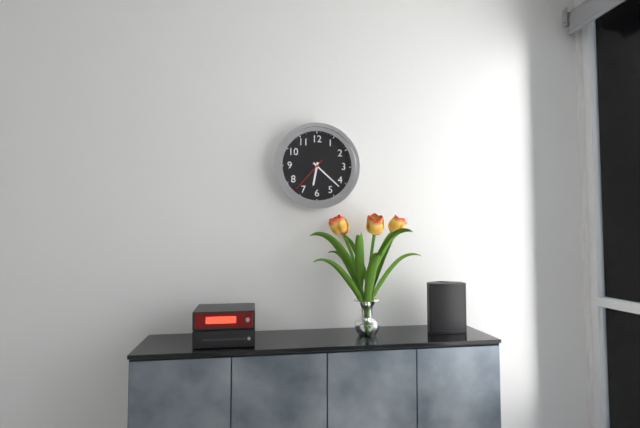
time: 6:22
